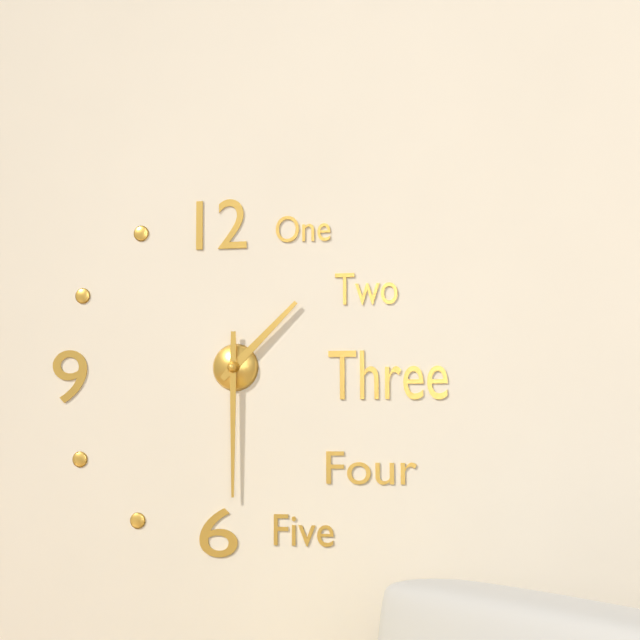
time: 1:30
